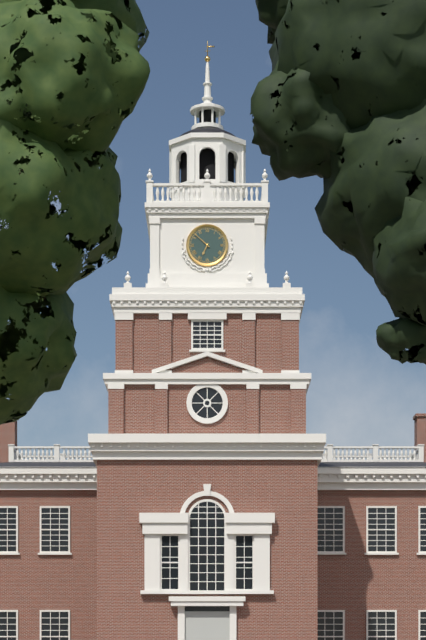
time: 6:52
